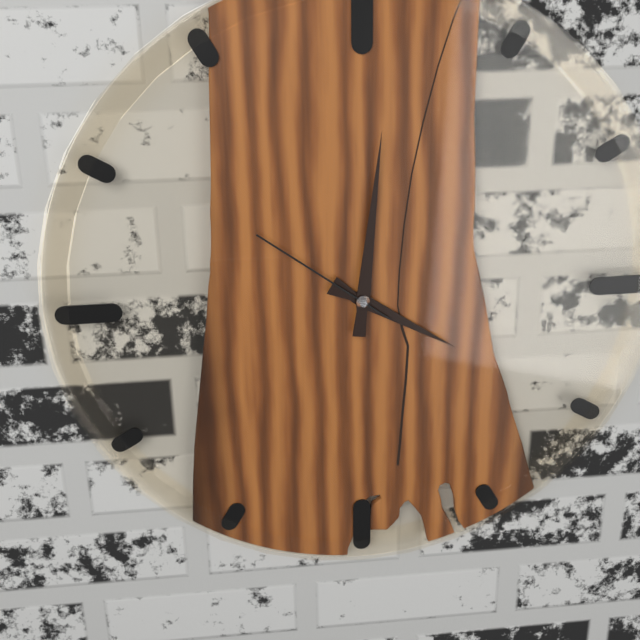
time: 4:01:51
